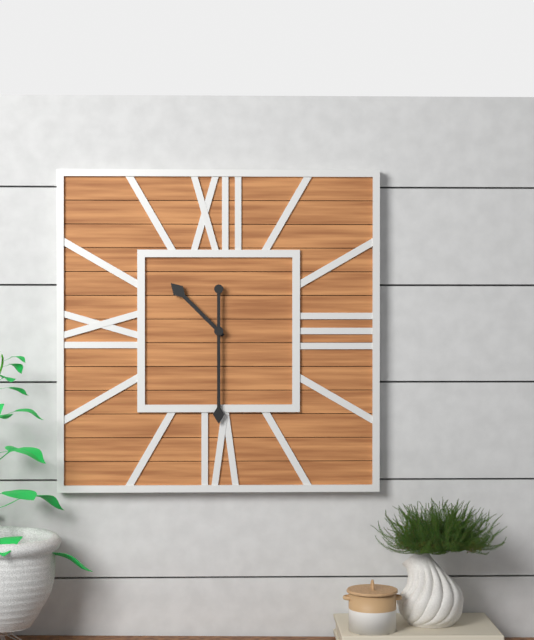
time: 10:30
